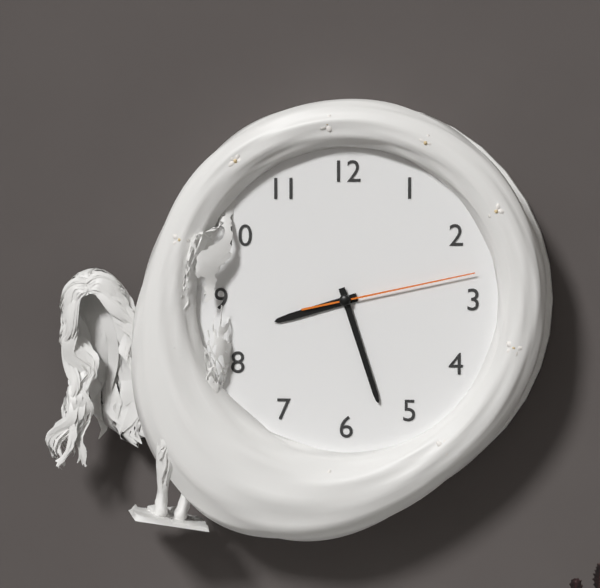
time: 8:27:13
